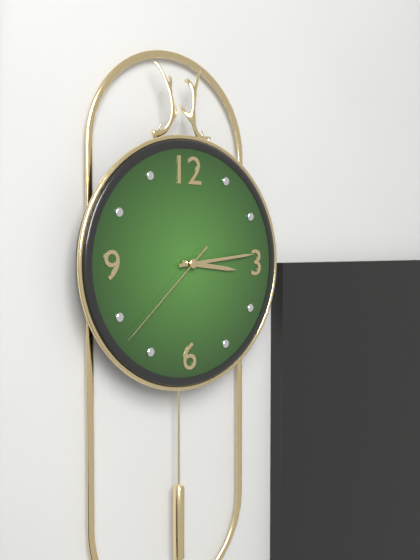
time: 3:14:38
